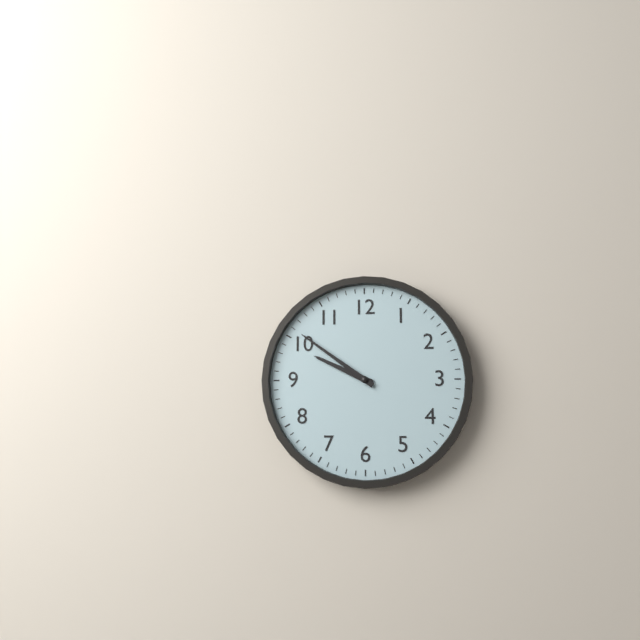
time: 9:51
